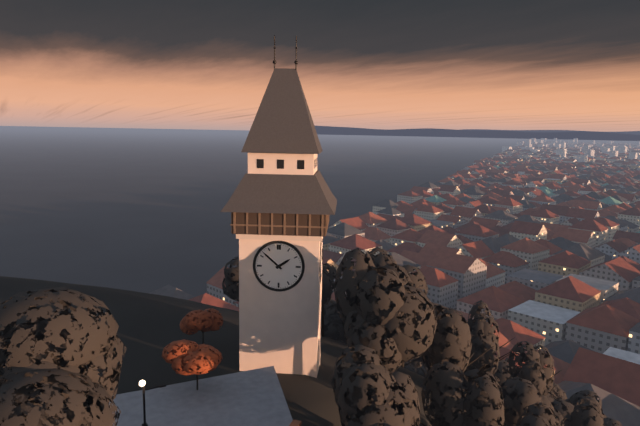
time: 1:52
